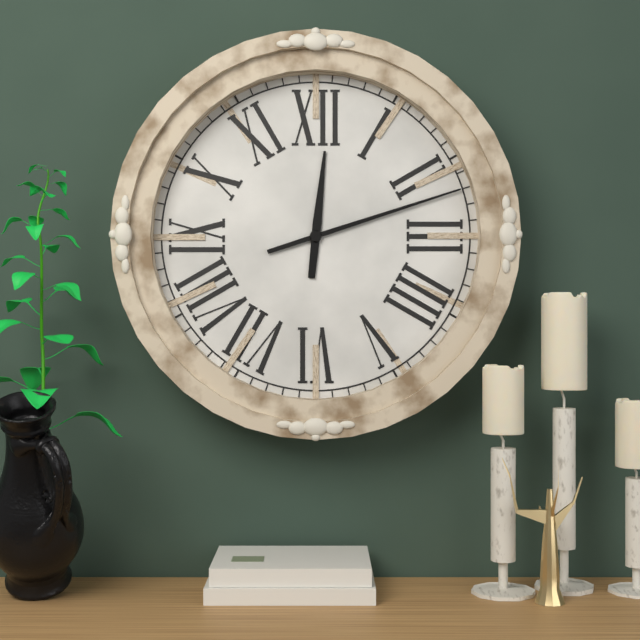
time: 12:12
